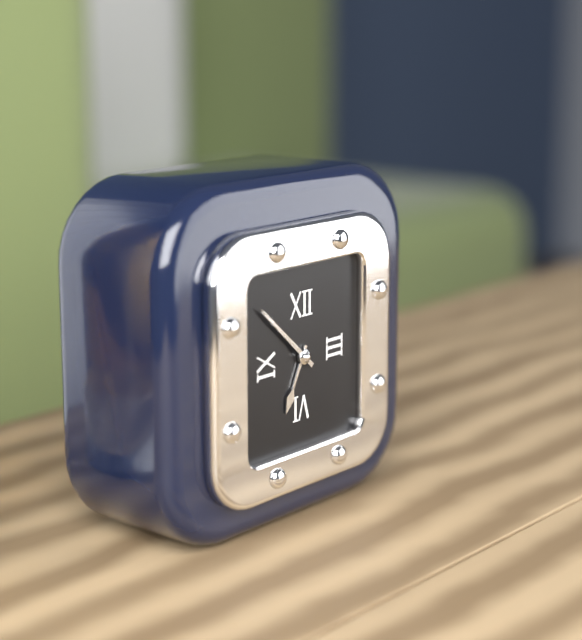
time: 6:52
